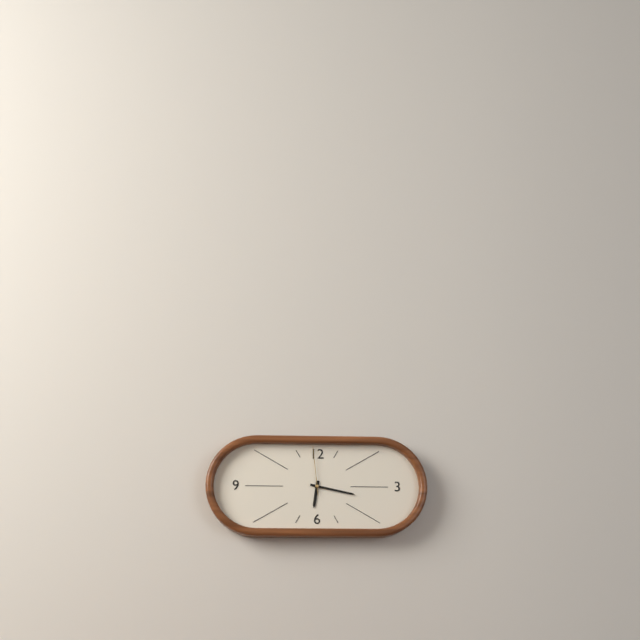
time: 6:17:59
